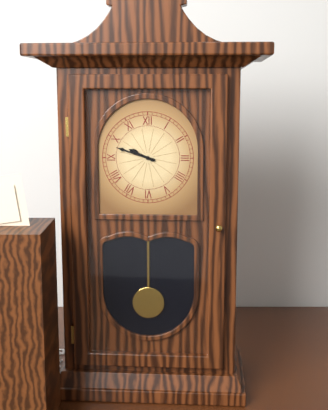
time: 9:48
